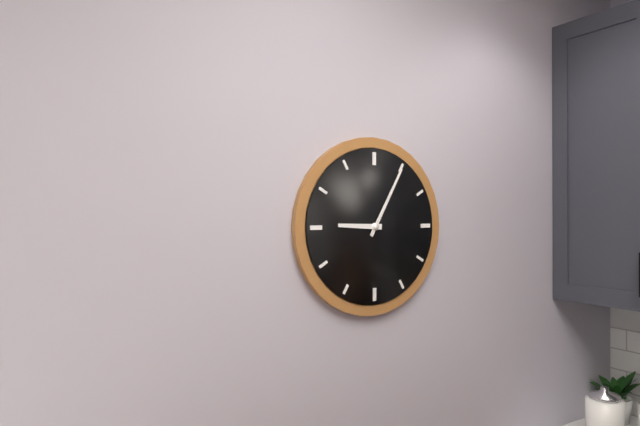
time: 9:05
